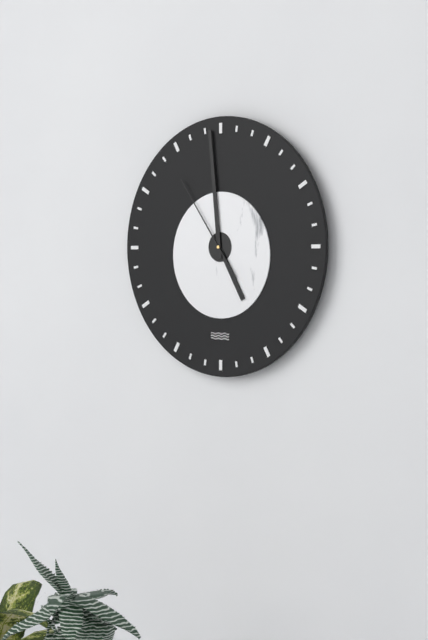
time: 4:59:54
